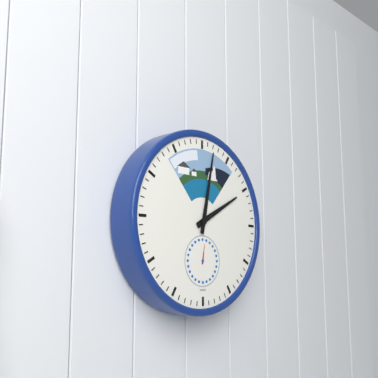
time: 2:02
